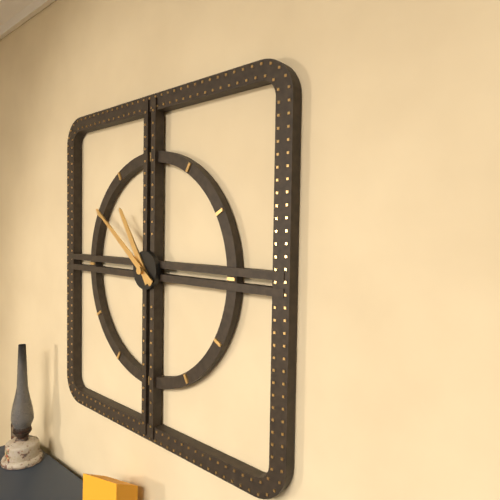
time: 10:51
